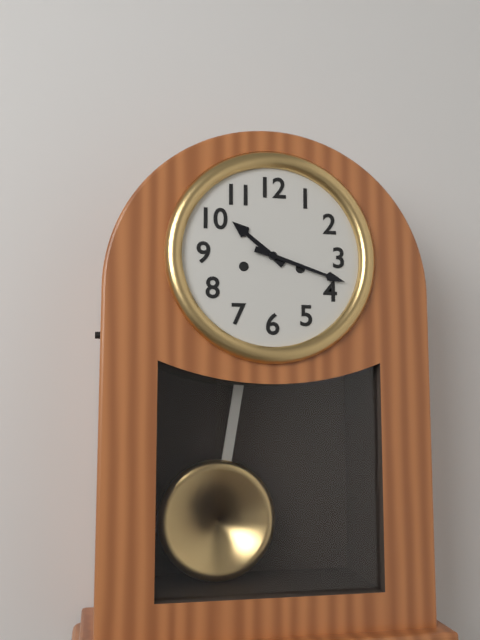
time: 10:18
